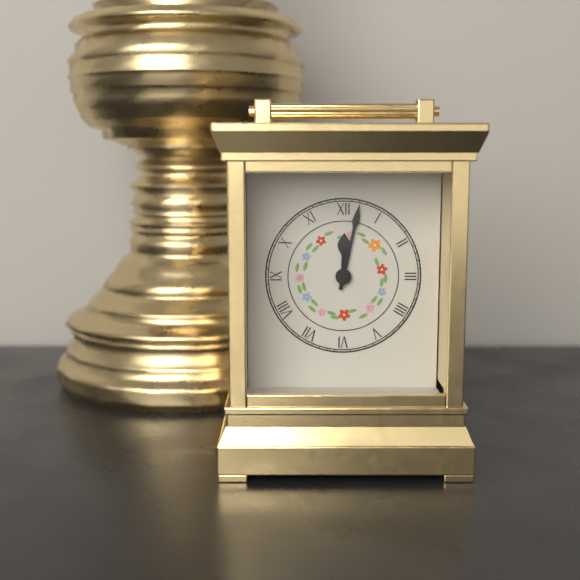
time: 12:02
